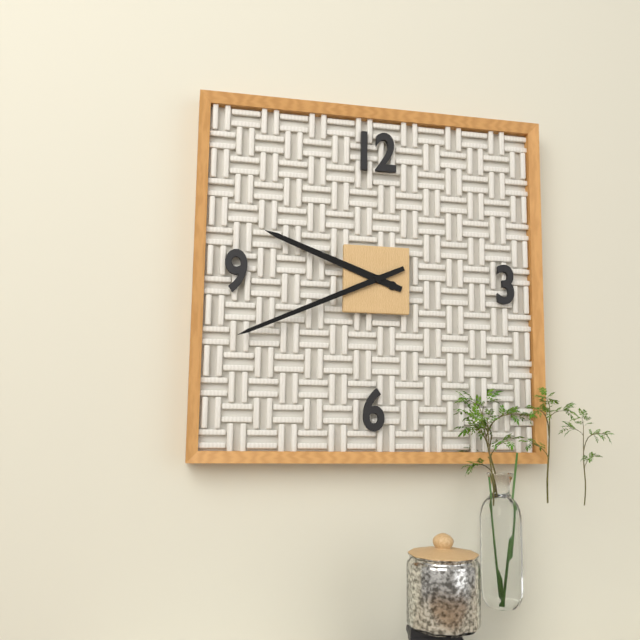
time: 9:41
